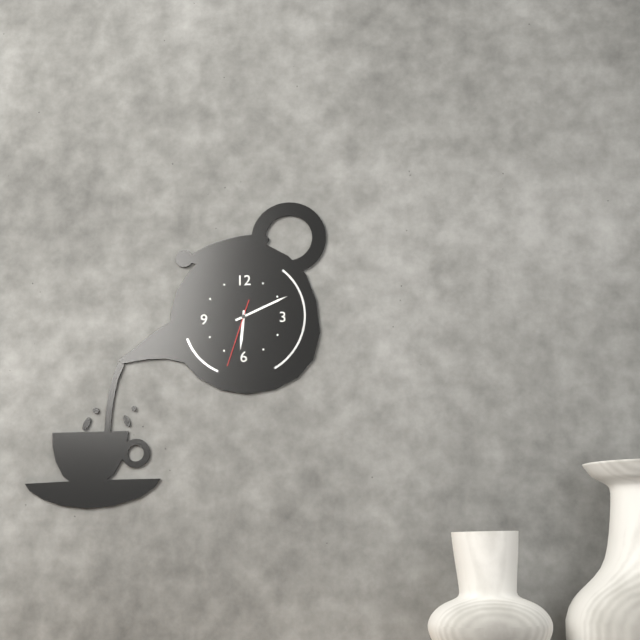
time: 6:11:33
